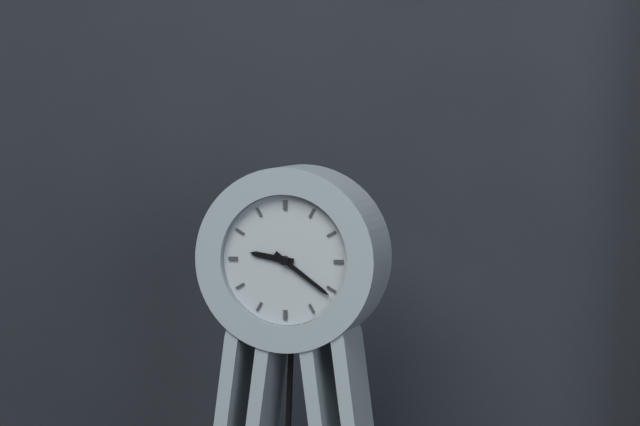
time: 9:21
